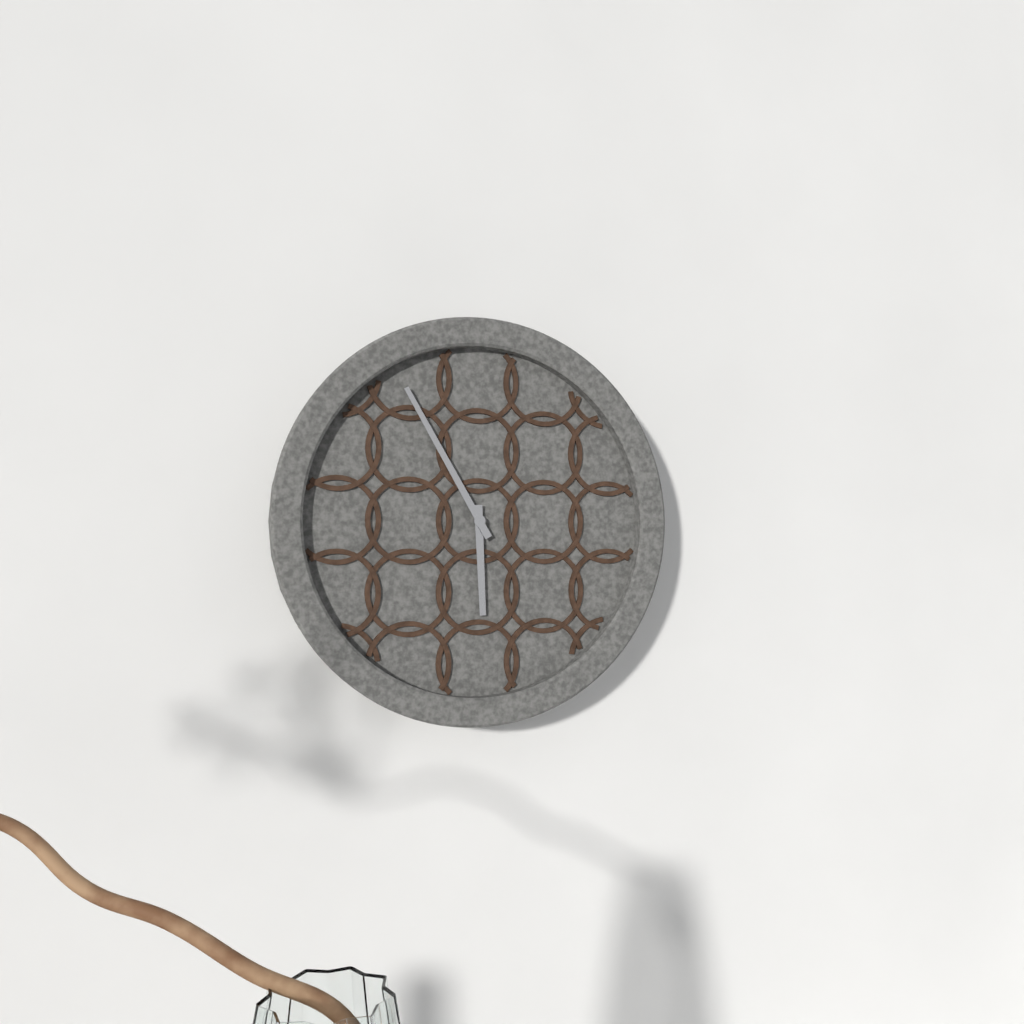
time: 5:55
